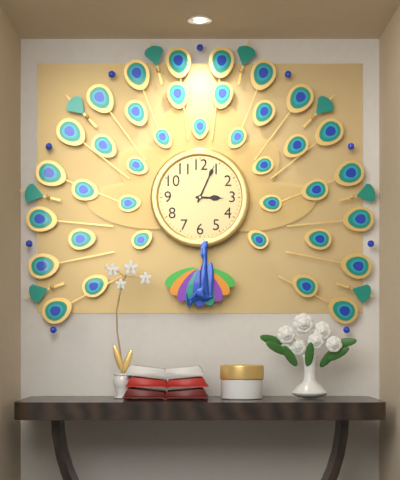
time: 3:04
